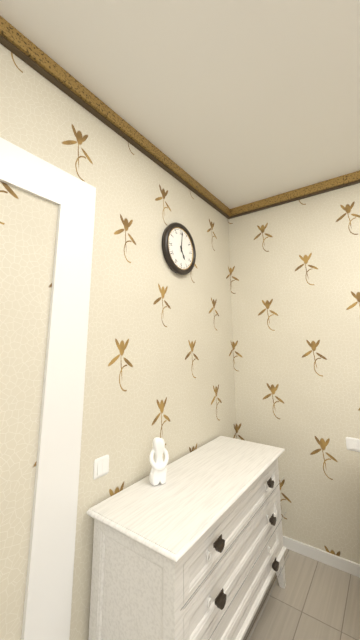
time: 5:01
